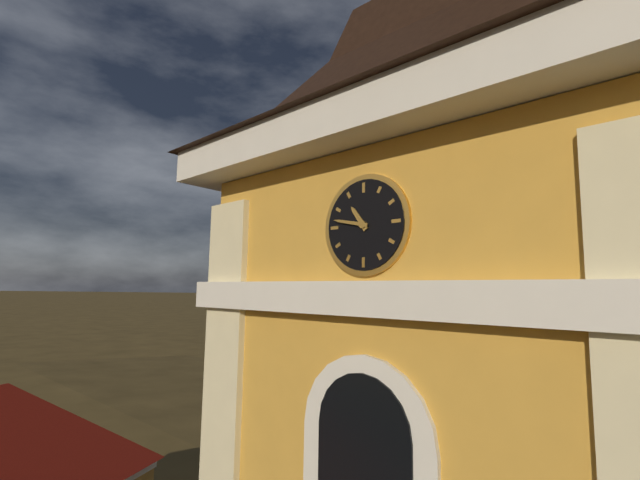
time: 10:47
